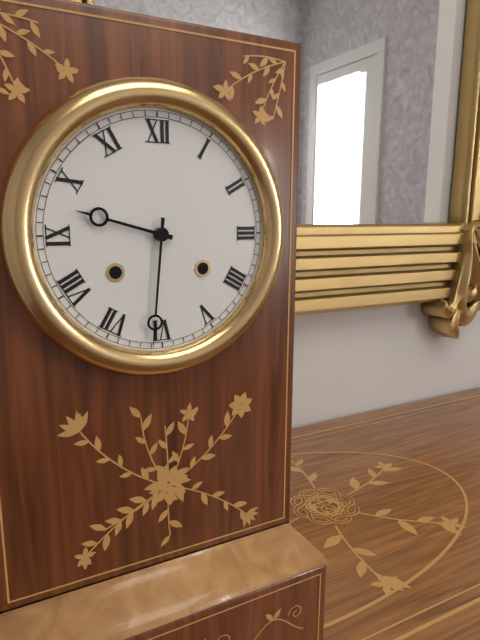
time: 9:31
